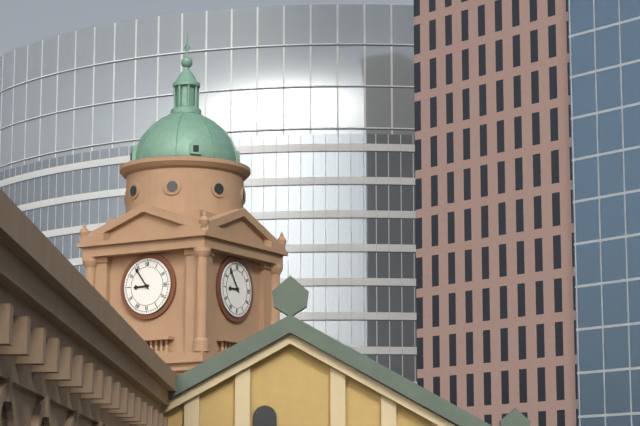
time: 8:54
